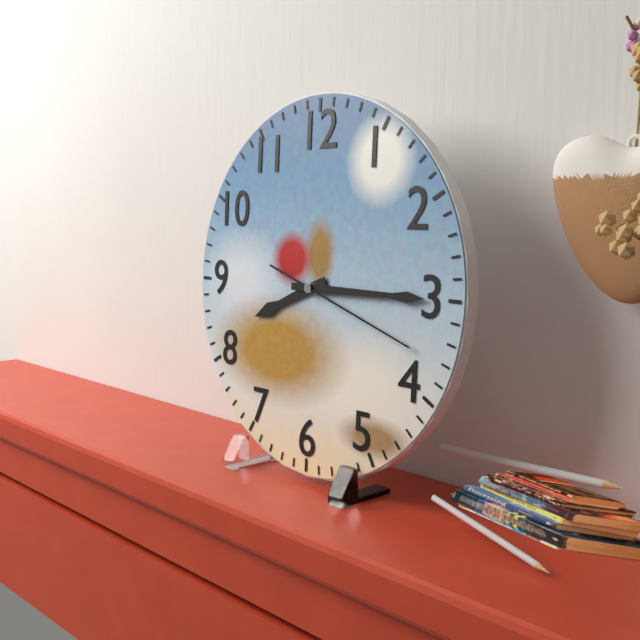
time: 8:15:18
